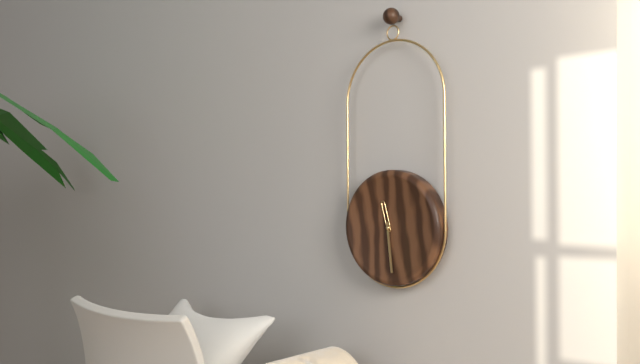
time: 11:29
